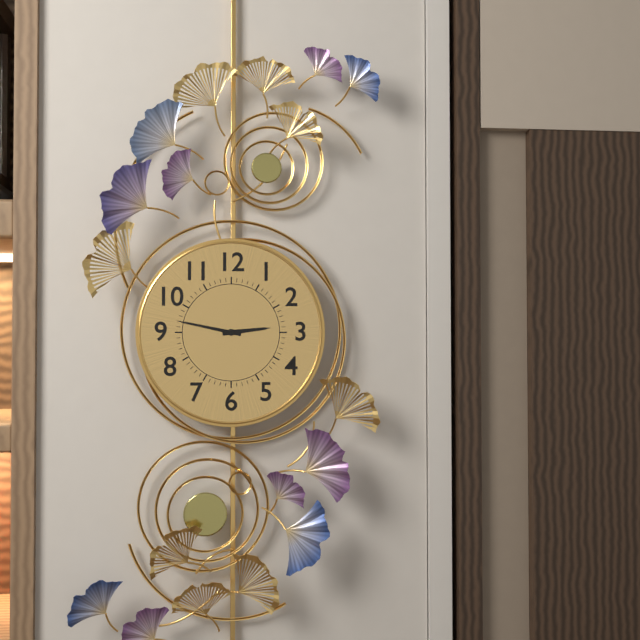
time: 2:47
